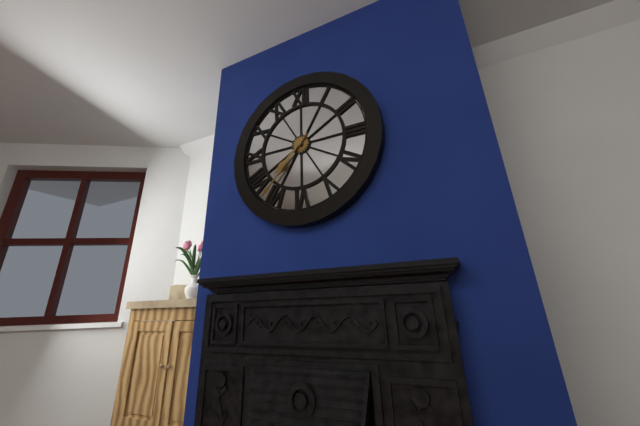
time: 7:37
